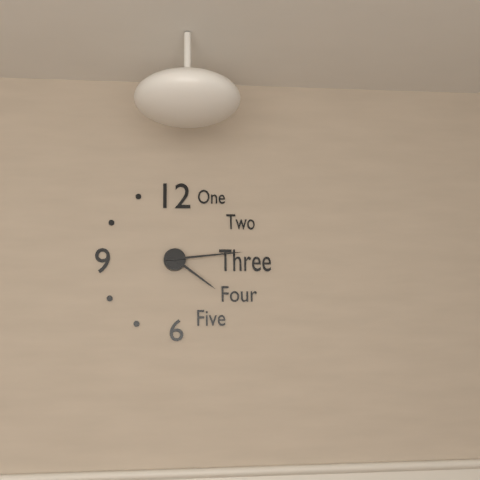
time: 4:14
